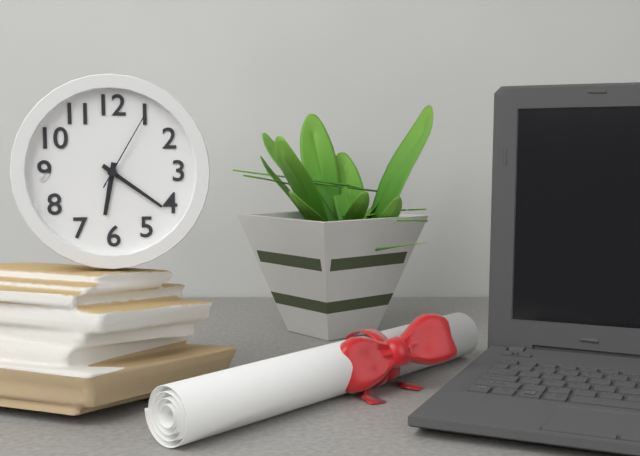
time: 6:21:05
